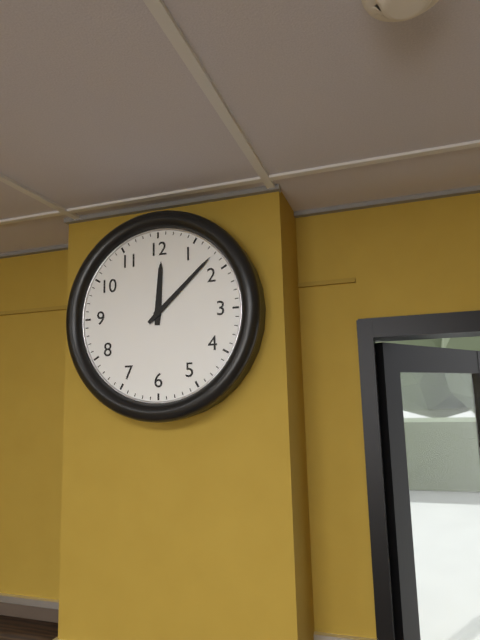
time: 12:08
